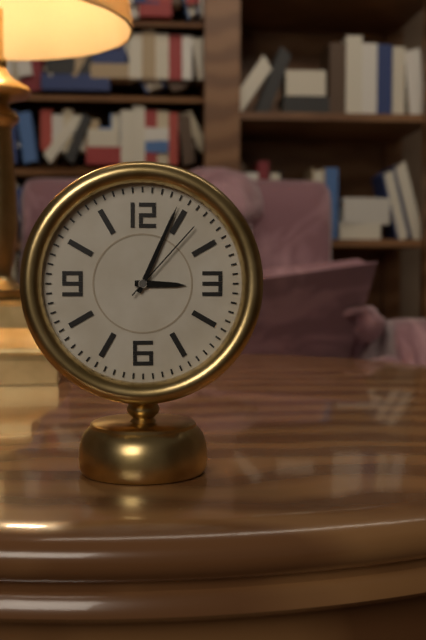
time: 3:04:07
